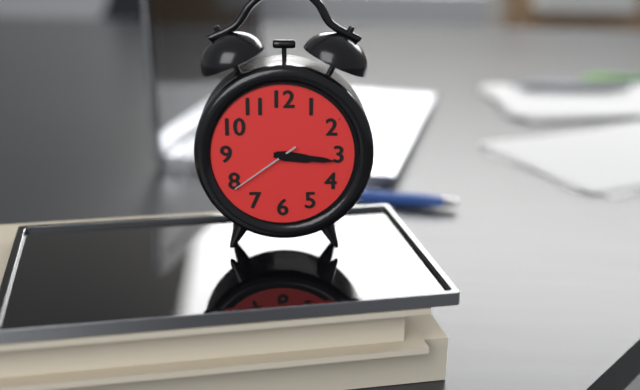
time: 3:16:39
